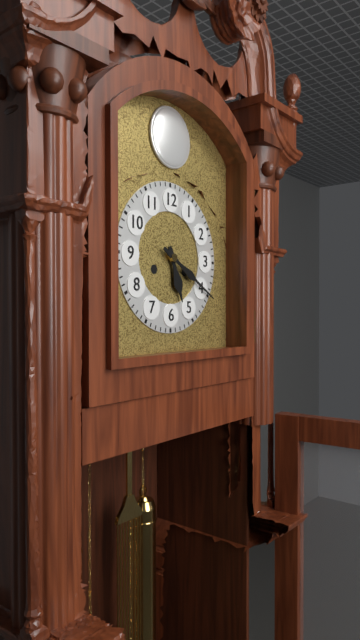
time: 5:20
